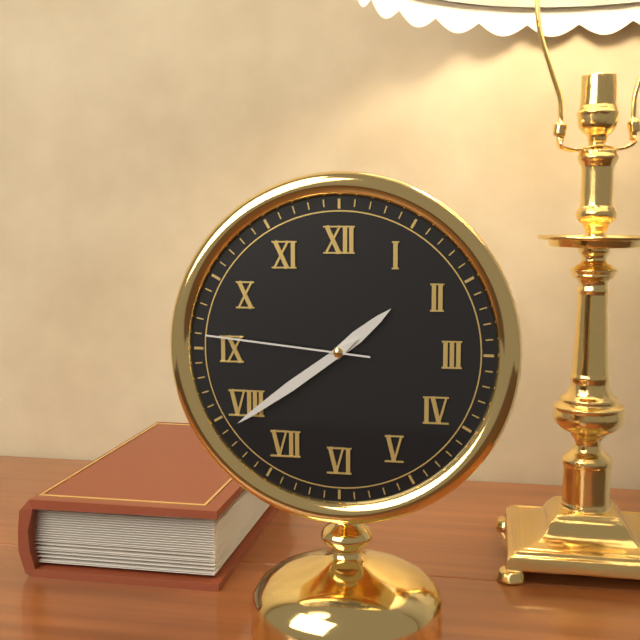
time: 1:39:46
